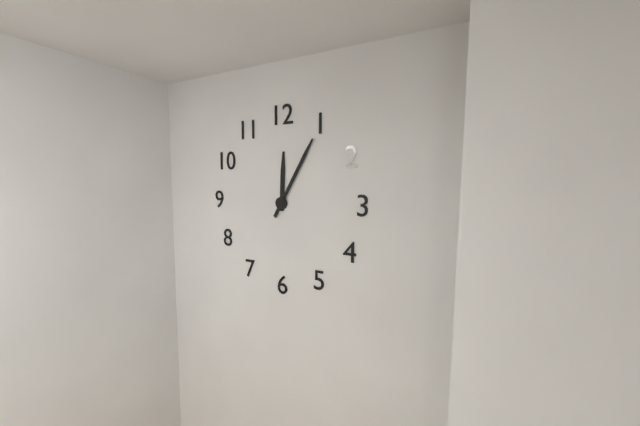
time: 12:05
